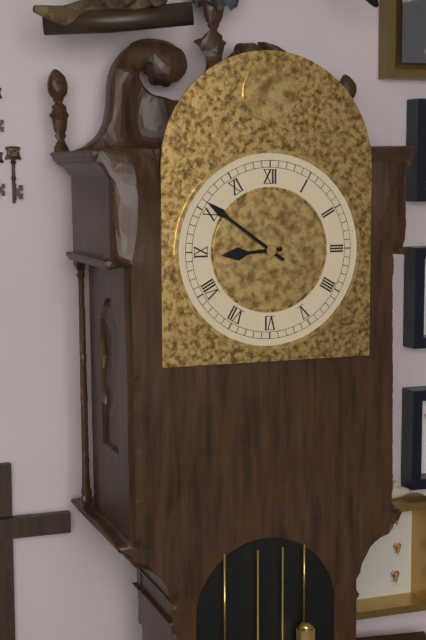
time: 8:51
